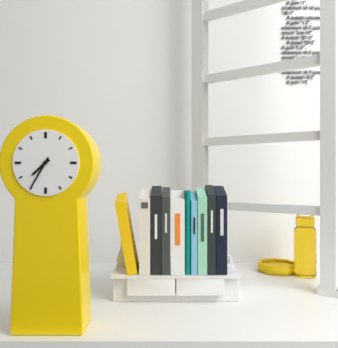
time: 7:35
